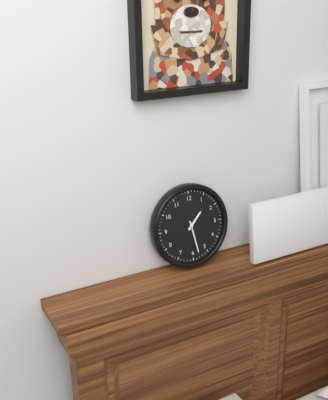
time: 1:28
